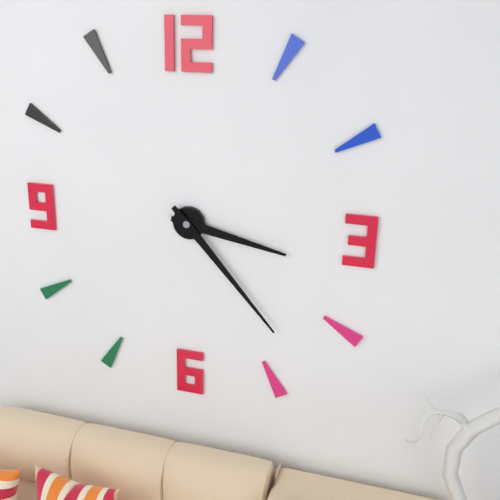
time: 3:23
